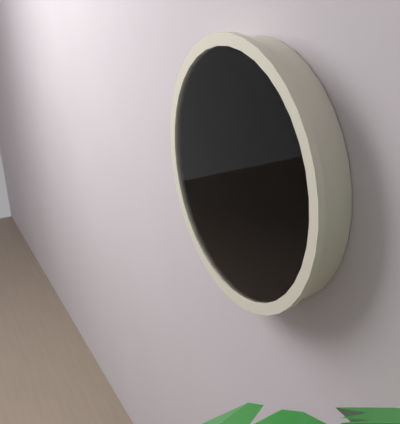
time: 9:17:57
